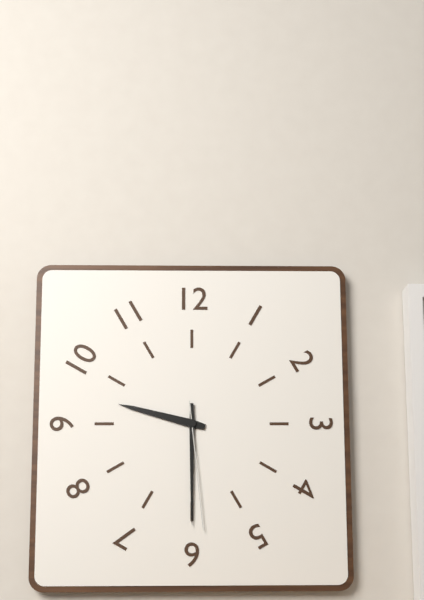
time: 9:30:29
